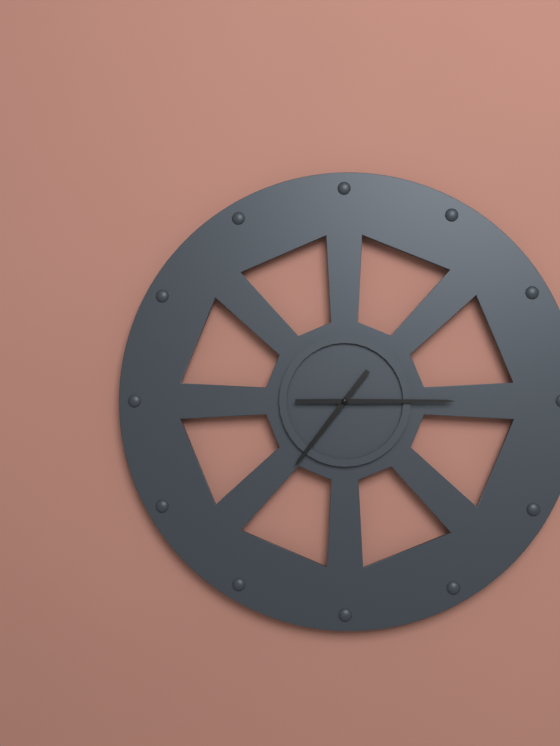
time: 7:15
